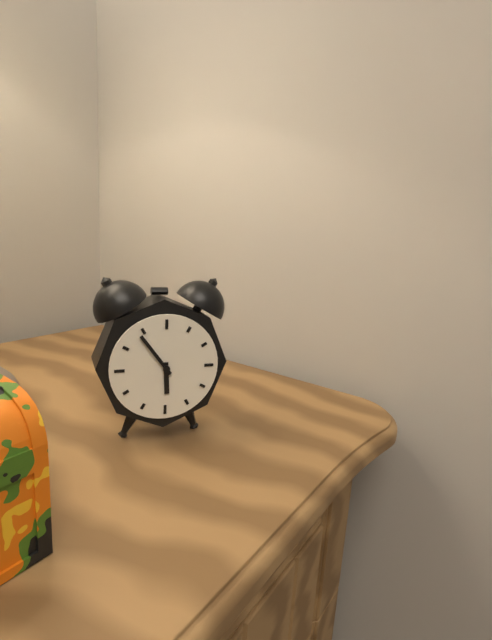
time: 5:54
